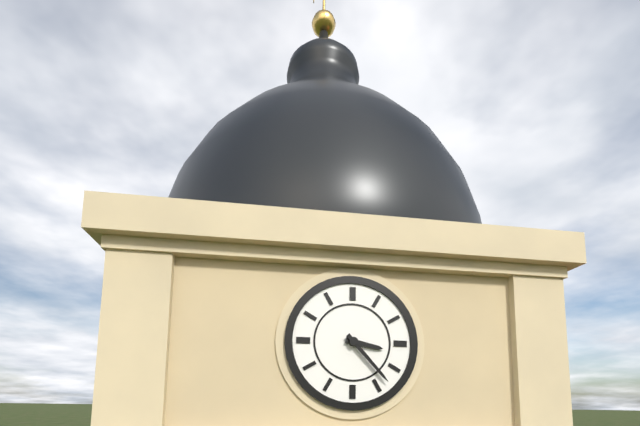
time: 3:23
